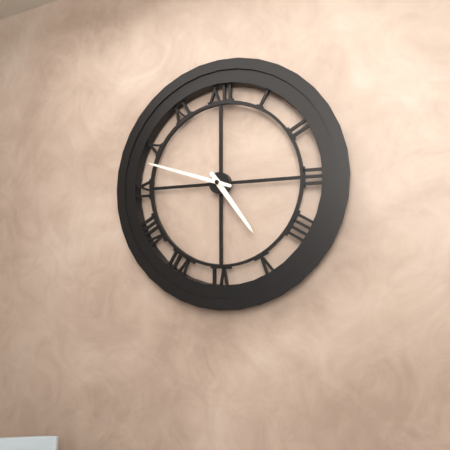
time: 4:48
